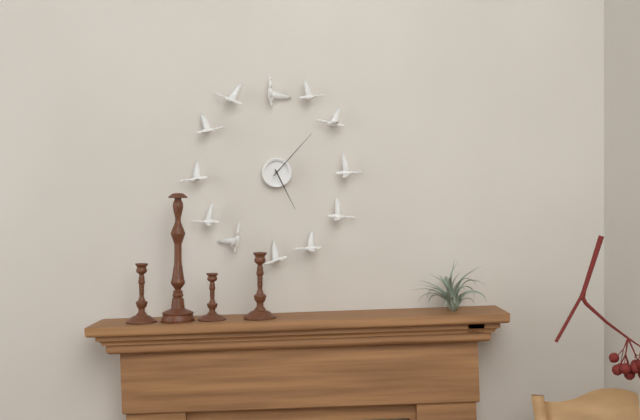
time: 5:07
